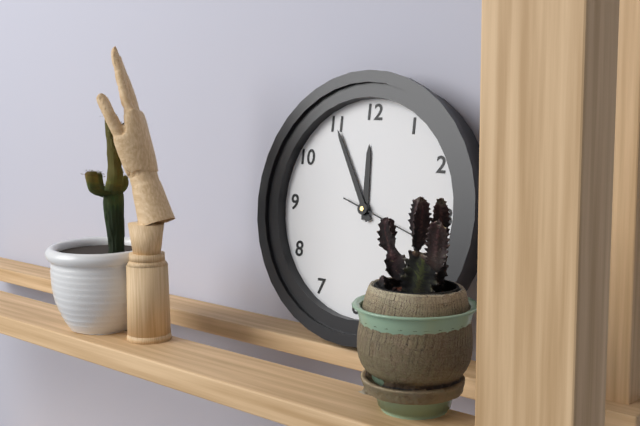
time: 11:55
